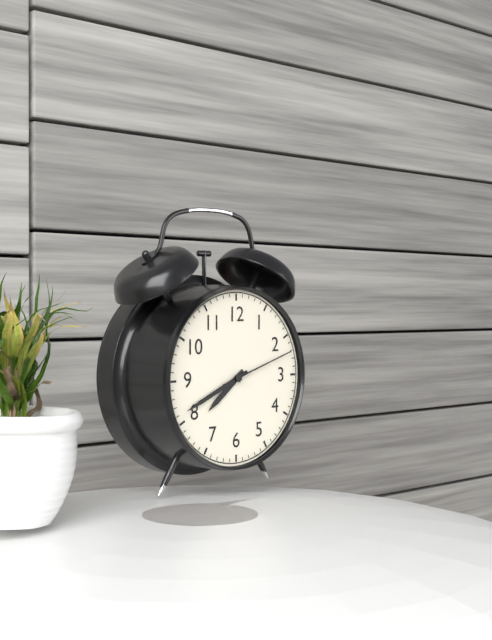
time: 7:41:12
